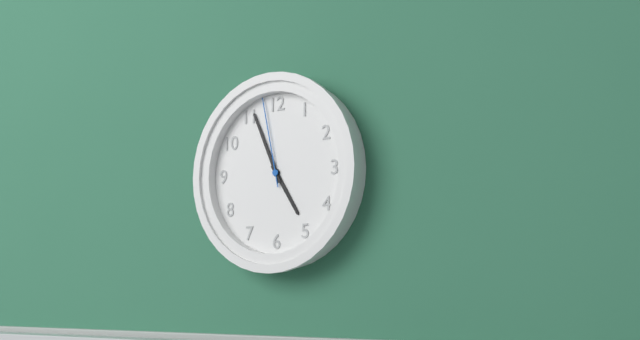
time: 4:56:58
